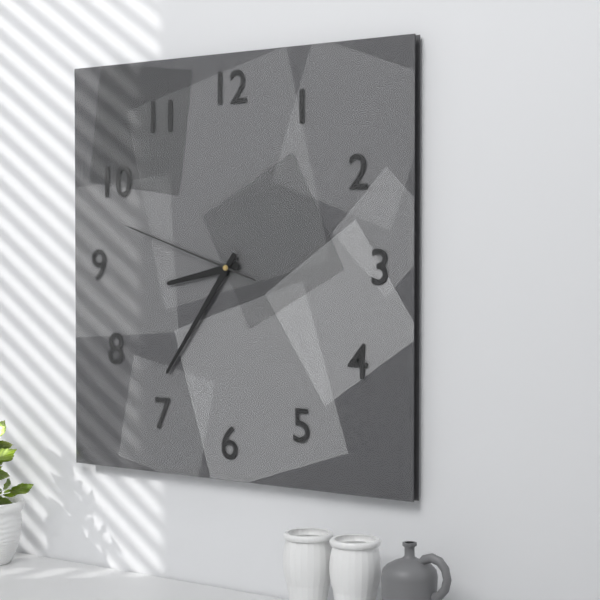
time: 8:36:48
